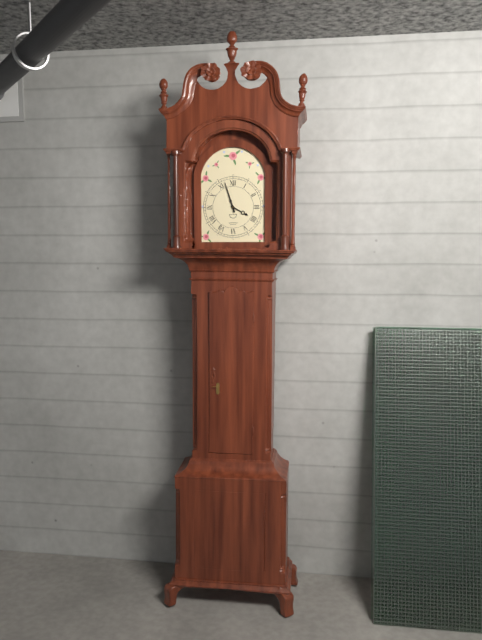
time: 3:57
